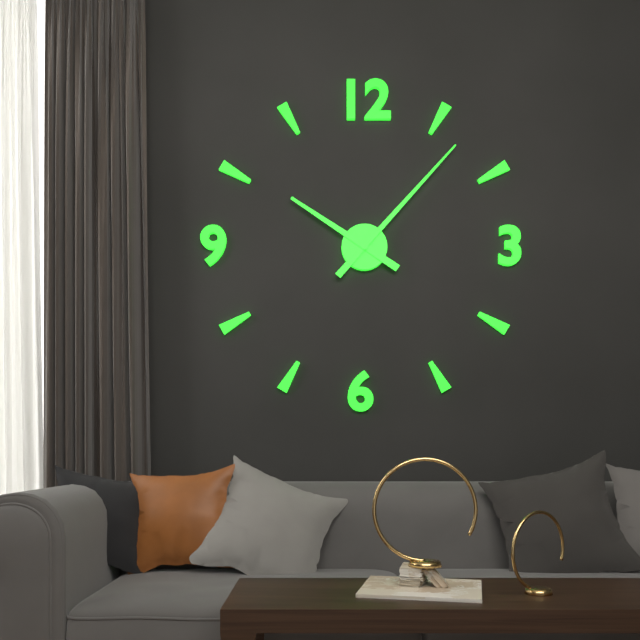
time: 10:07
